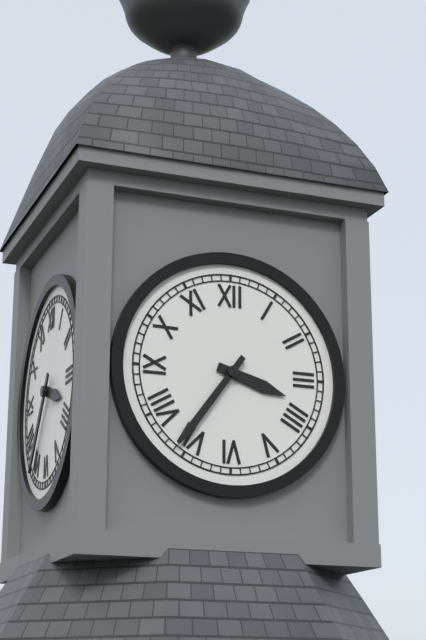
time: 3:36
